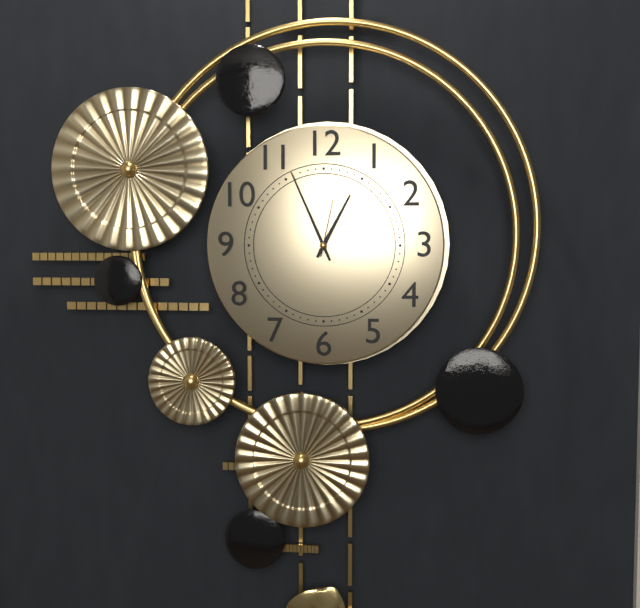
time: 12:56:02
